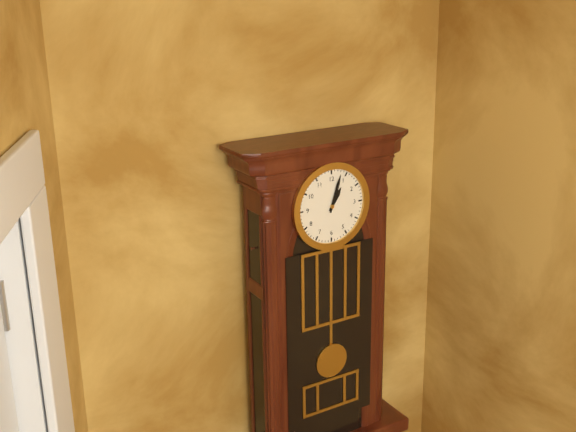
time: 1:03
